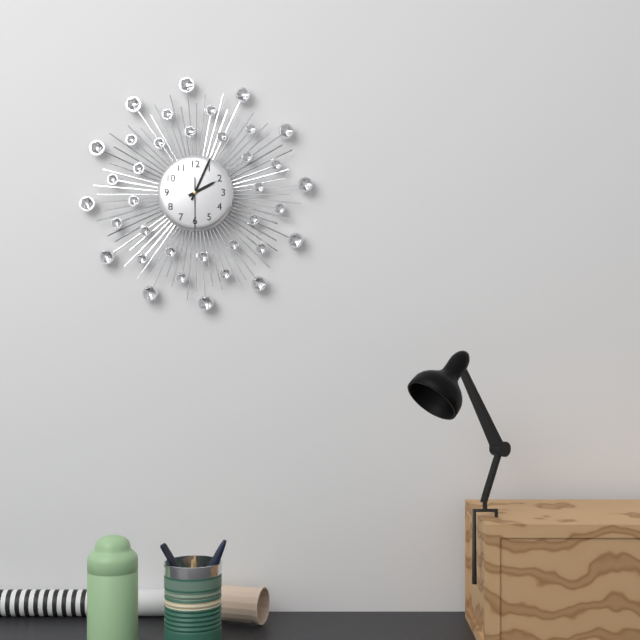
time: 2:04:30
